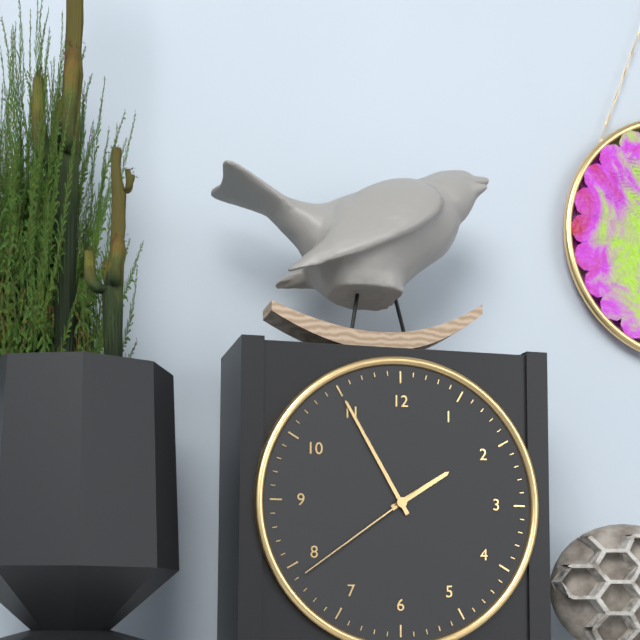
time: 1:55:39
